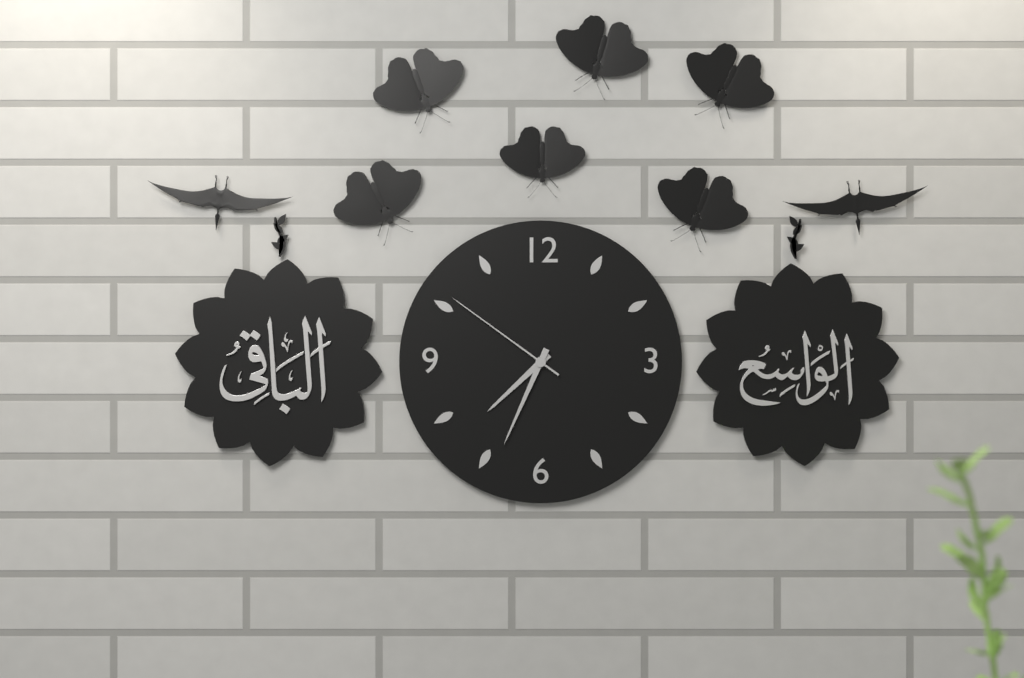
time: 7:34:51
